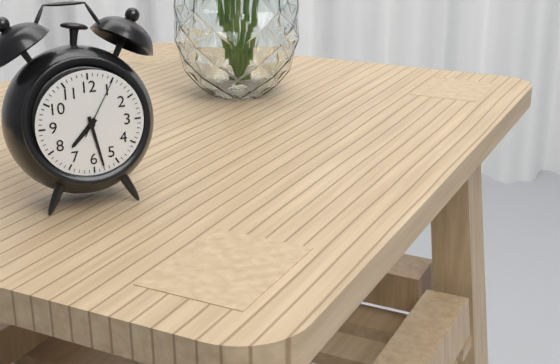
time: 7:28:05
